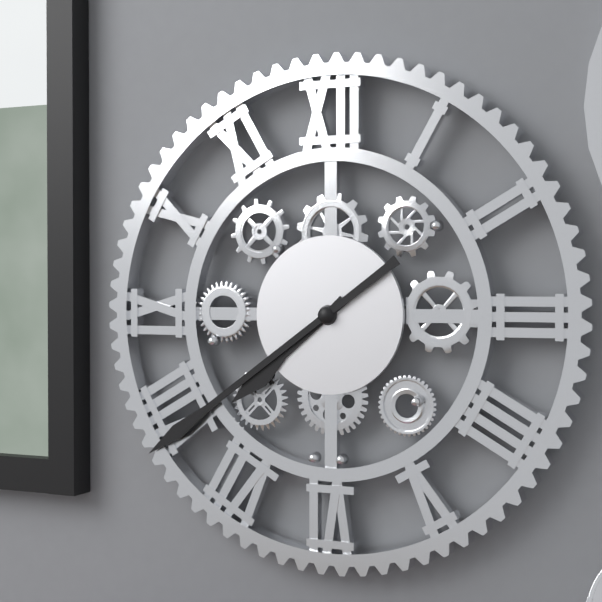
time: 7:39
